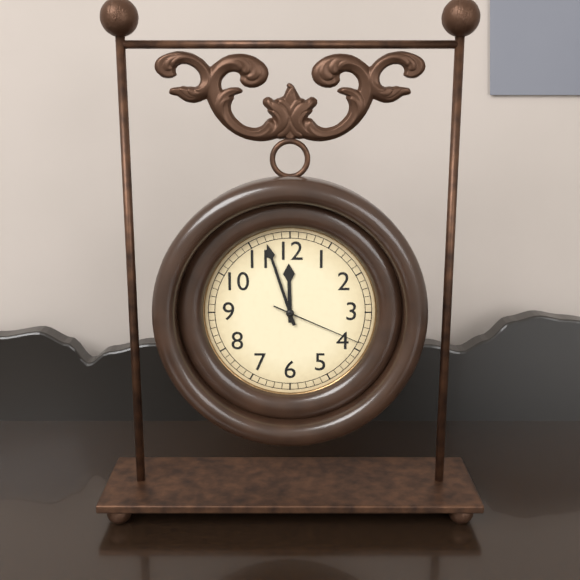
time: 11:57:19
